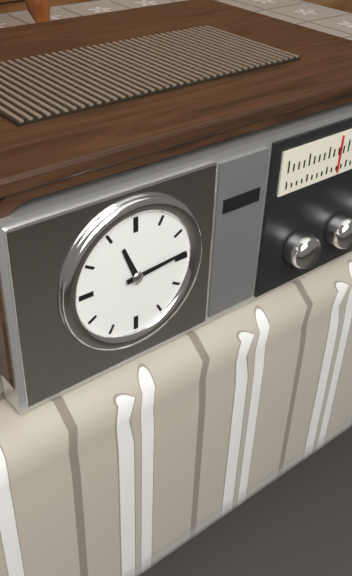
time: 11:14
